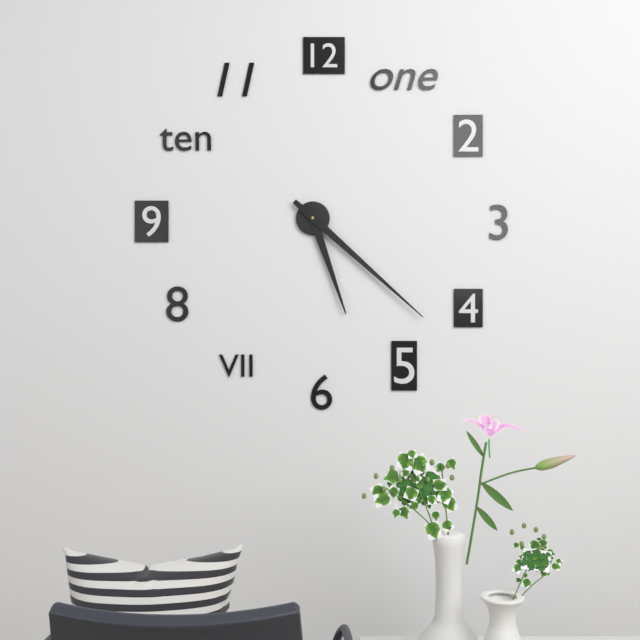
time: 5:22
